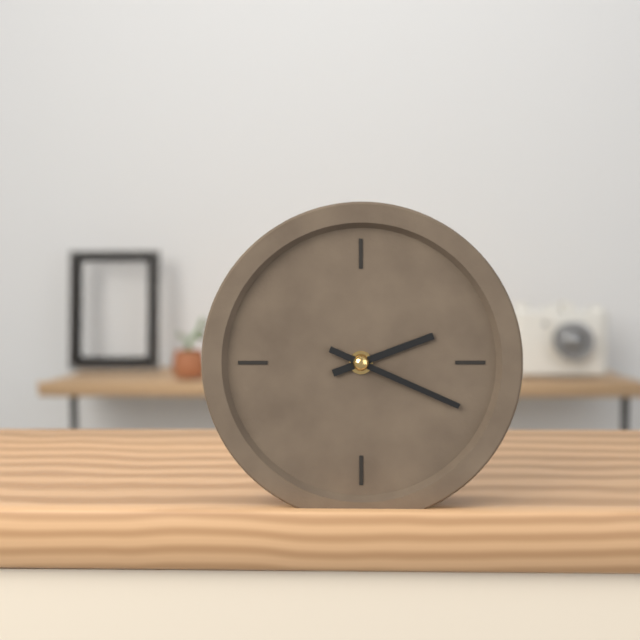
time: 2:19
